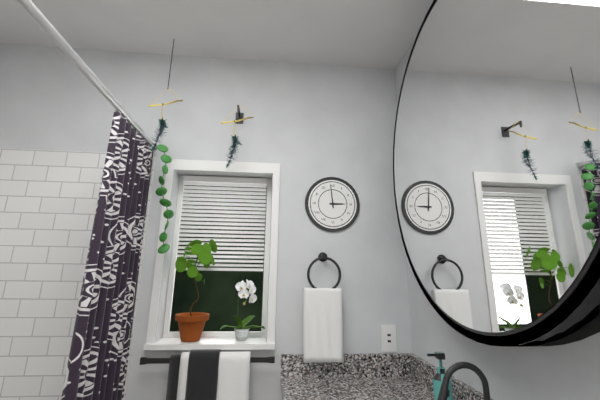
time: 2:59
